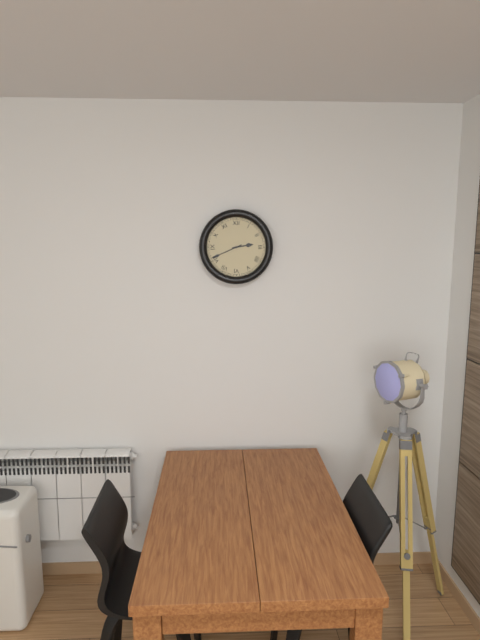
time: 2:41
